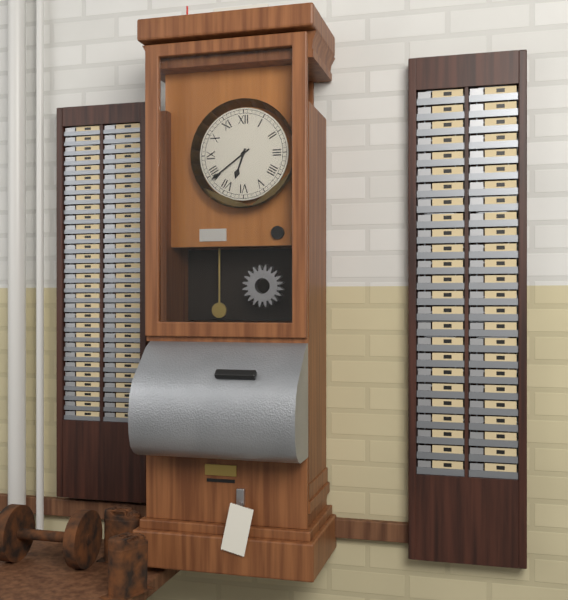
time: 6:39
